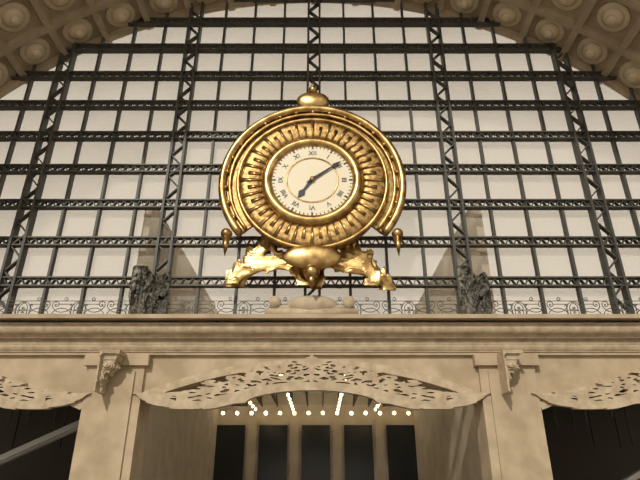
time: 7:09
